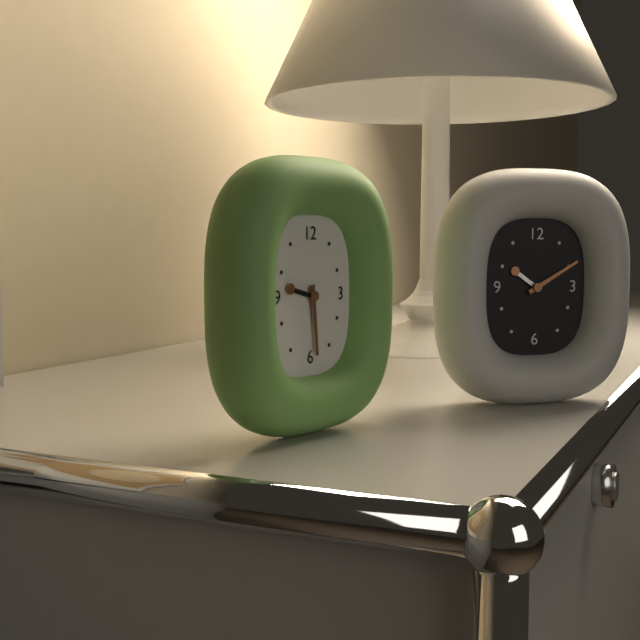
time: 9:29
